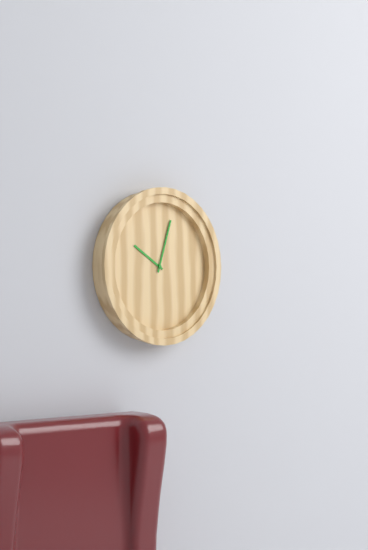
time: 10:03
